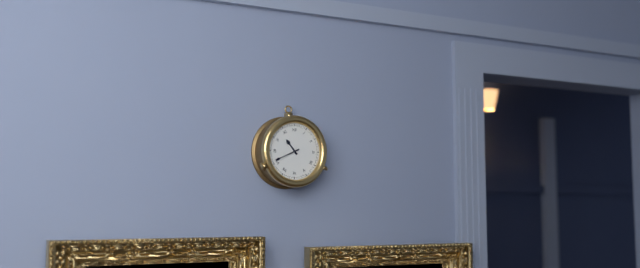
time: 10:41
